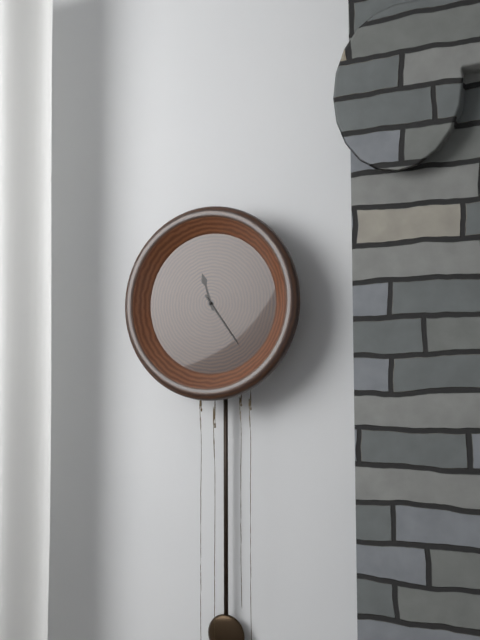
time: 11:24
